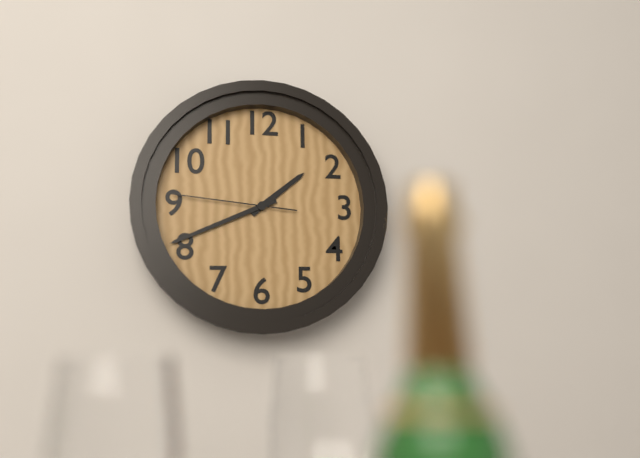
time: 1:41:46
